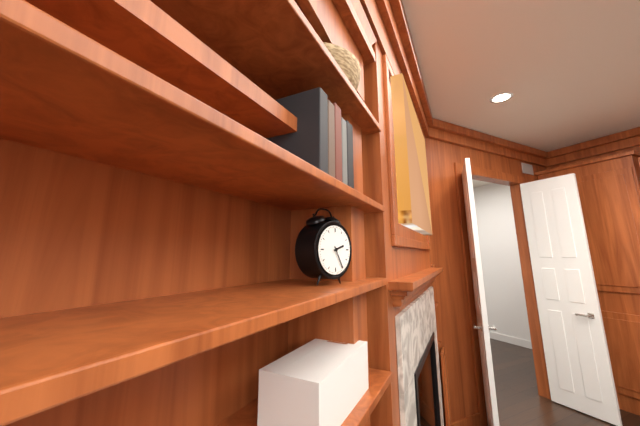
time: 2:25
